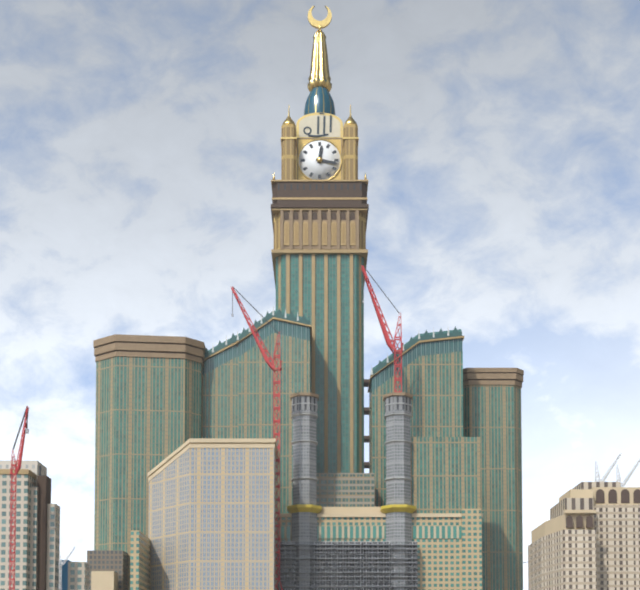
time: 12:17
